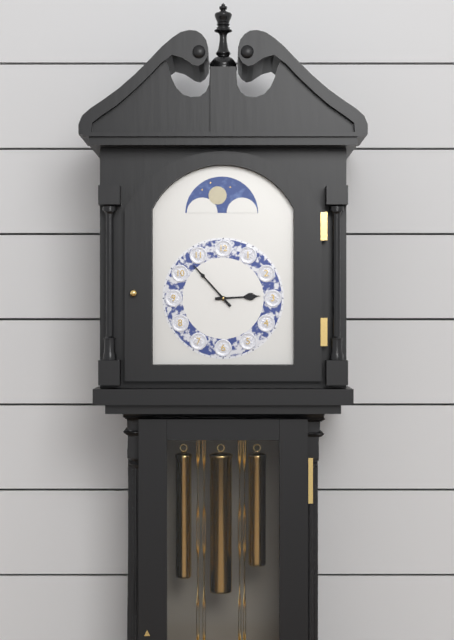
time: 2:53
